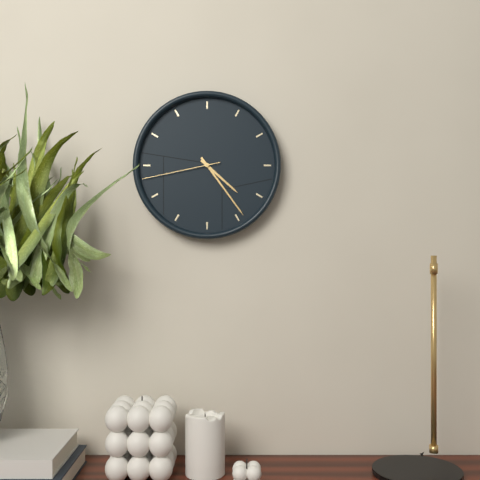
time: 4:24:43
